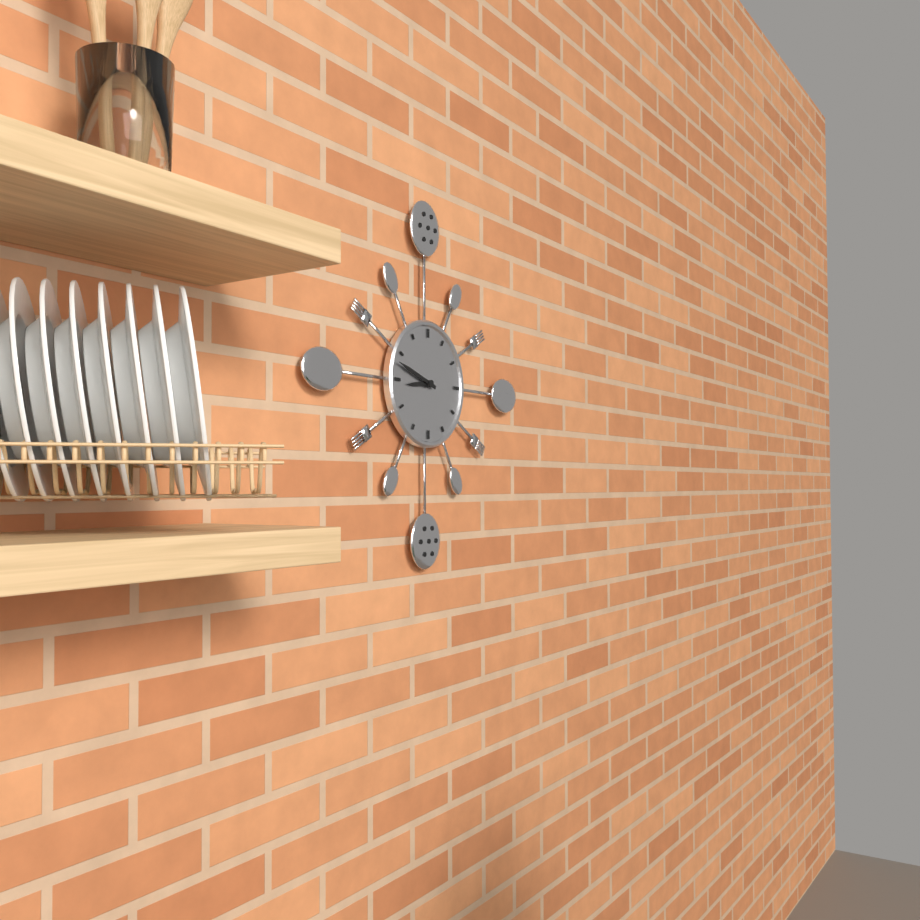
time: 8:48
